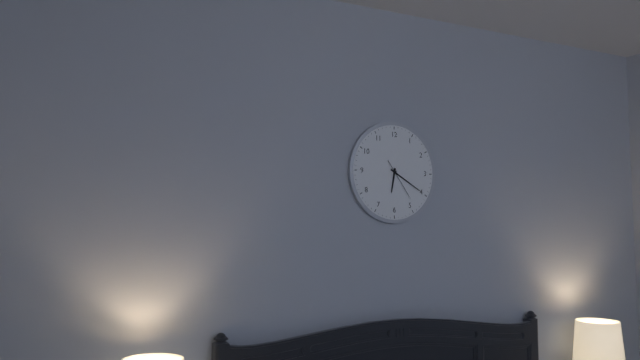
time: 6:20
